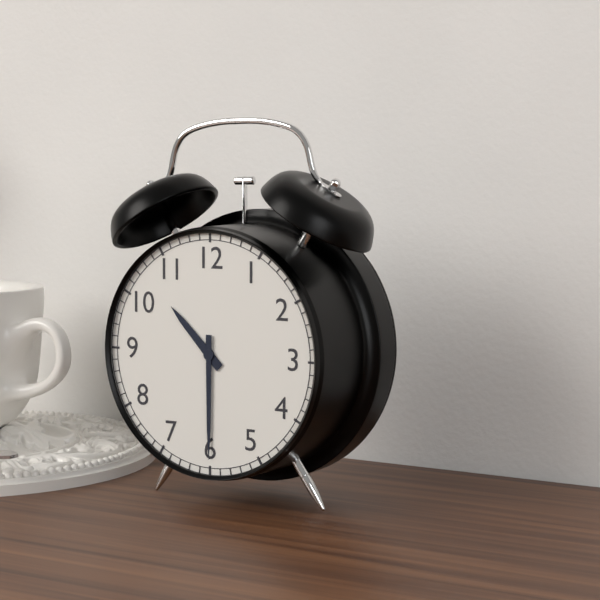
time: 10:30
